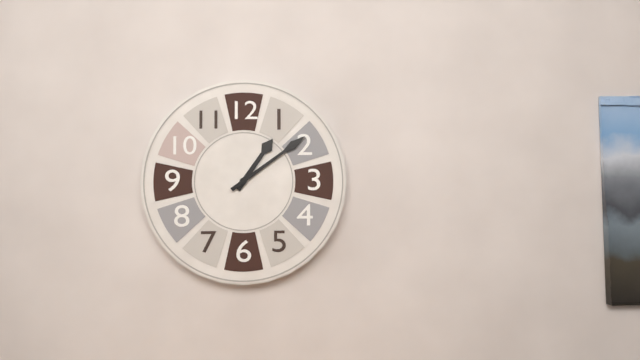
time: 1:09
